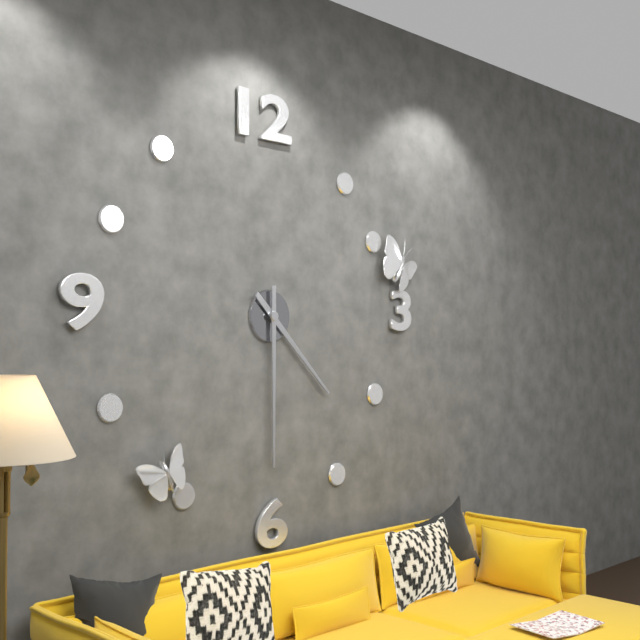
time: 4:30
